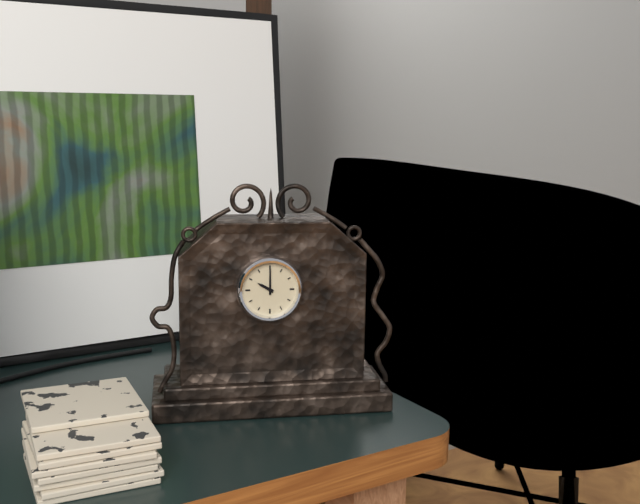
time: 10:00
